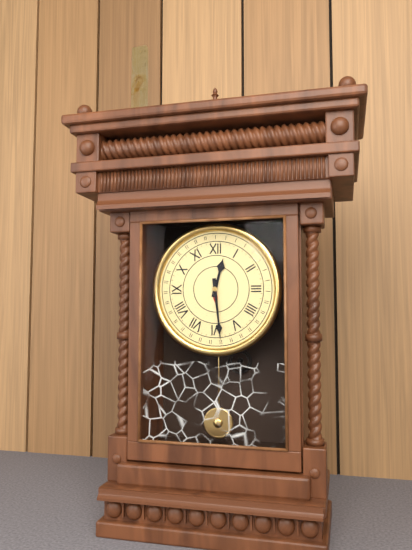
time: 12:29
